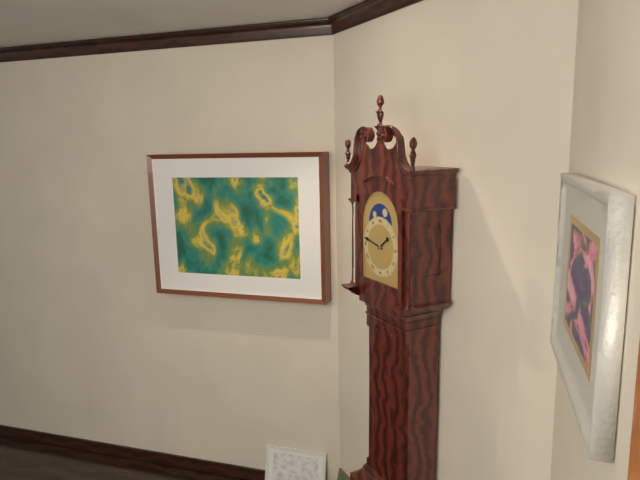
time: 1:47
